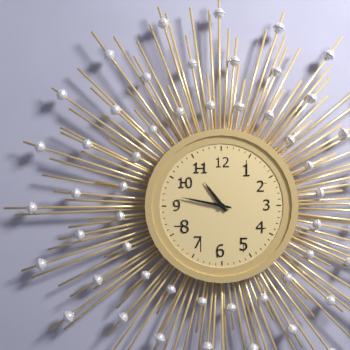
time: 10:47
